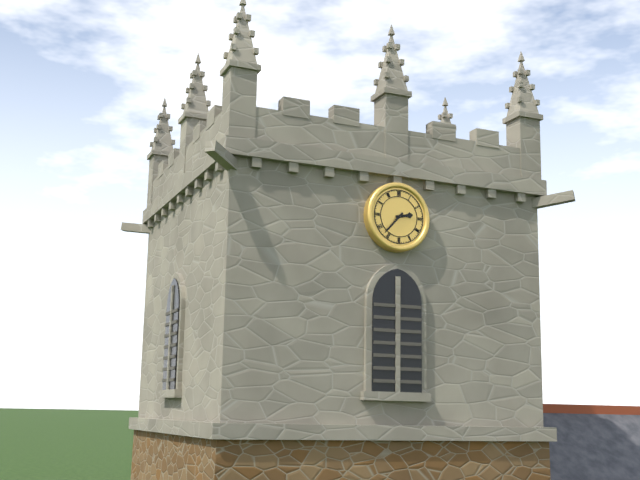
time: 2:37
